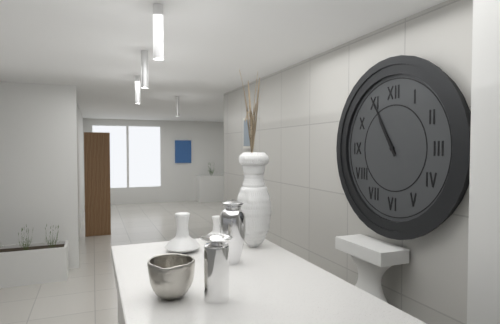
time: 10:55
